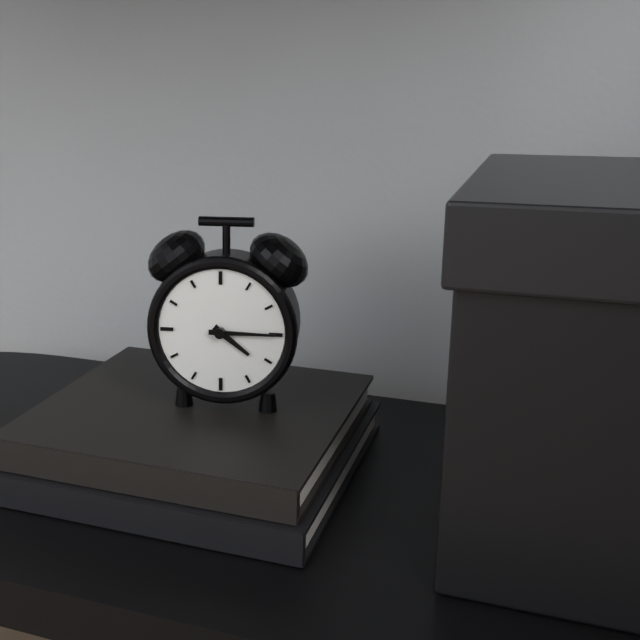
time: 4:15
